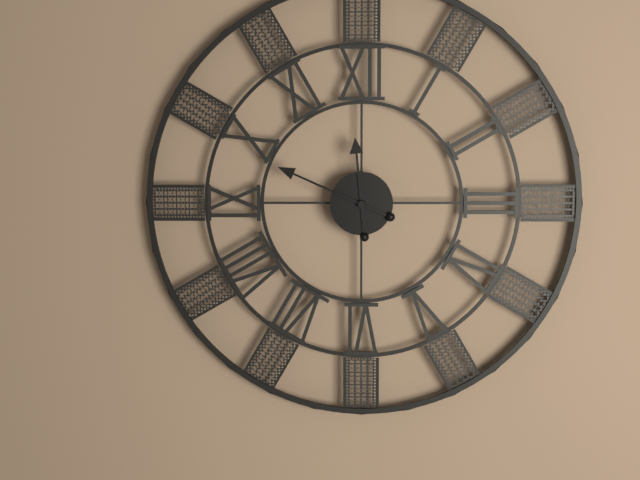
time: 11:49
